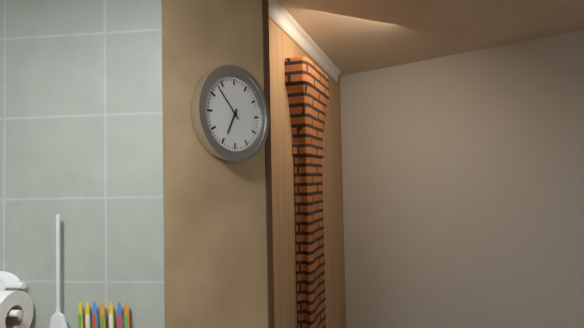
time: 6:53
